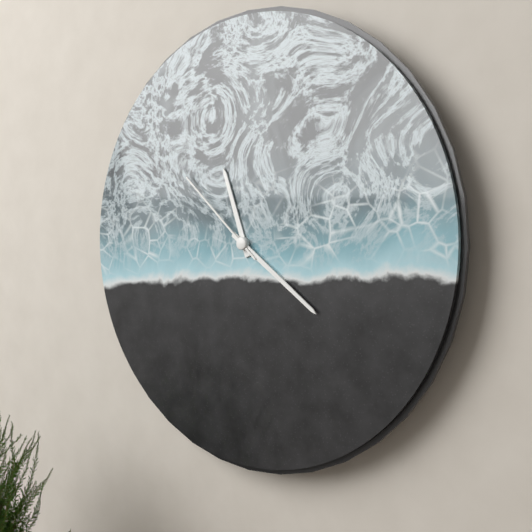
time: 11:21:52
